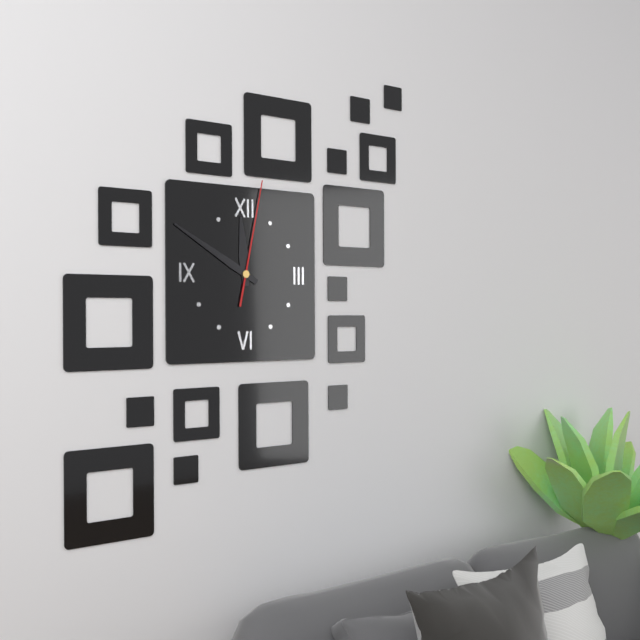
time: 11:50:02
